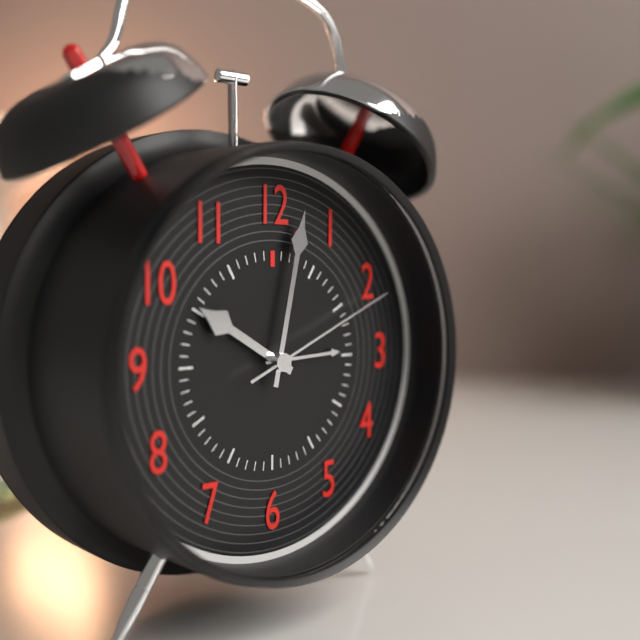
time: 10:02:11
